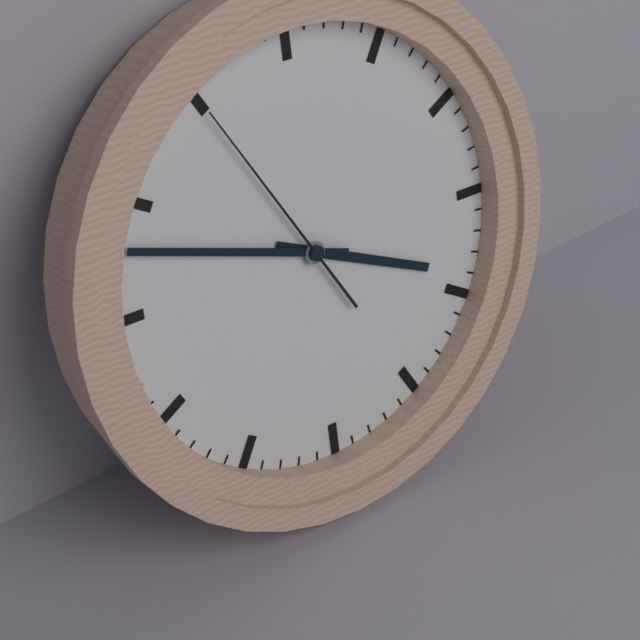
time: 3:48:55
